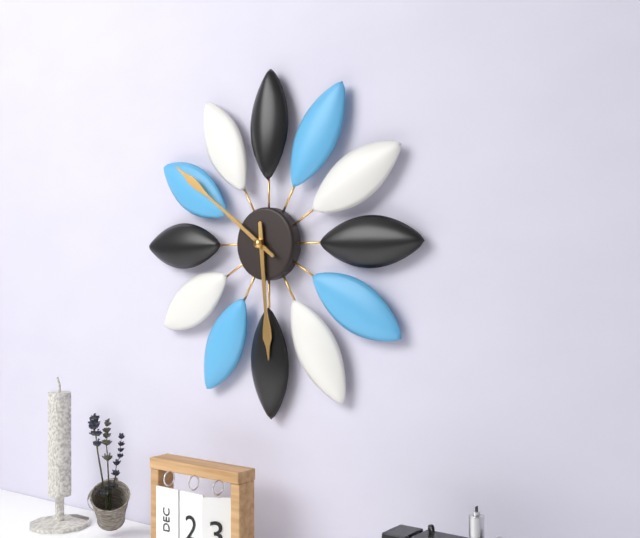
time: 5:51
